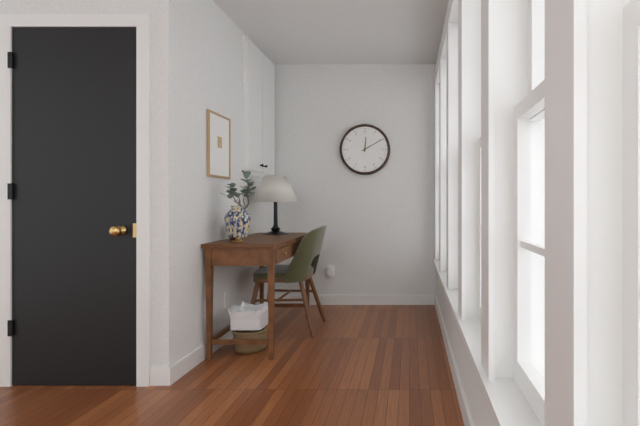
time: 12:10
